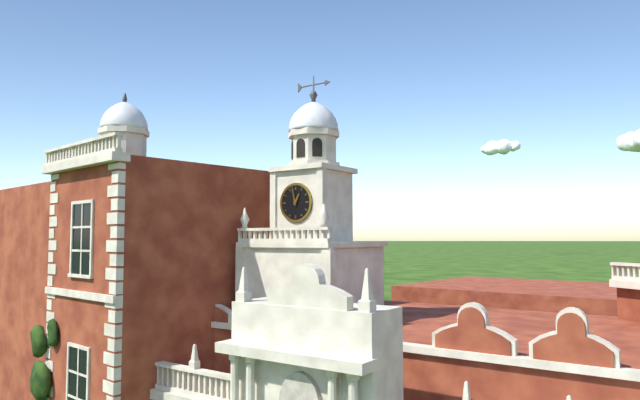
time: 12:58
